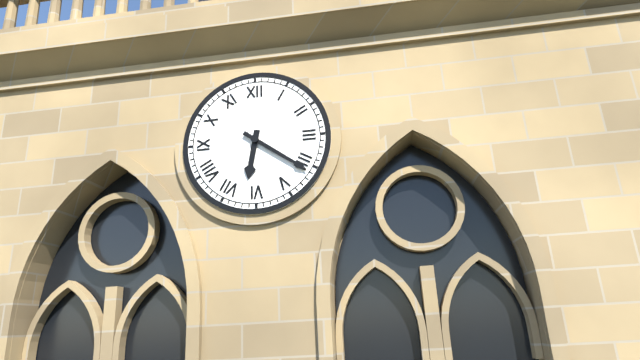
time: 6:21
